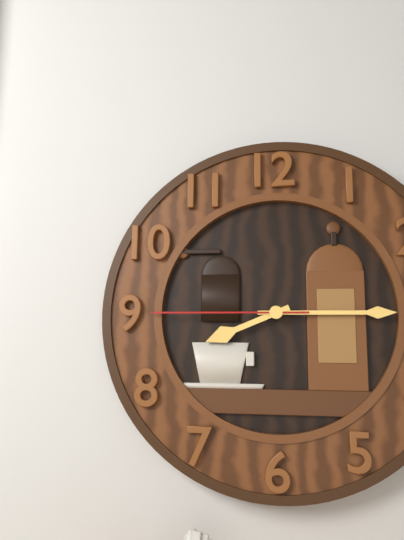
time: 8:15:45
